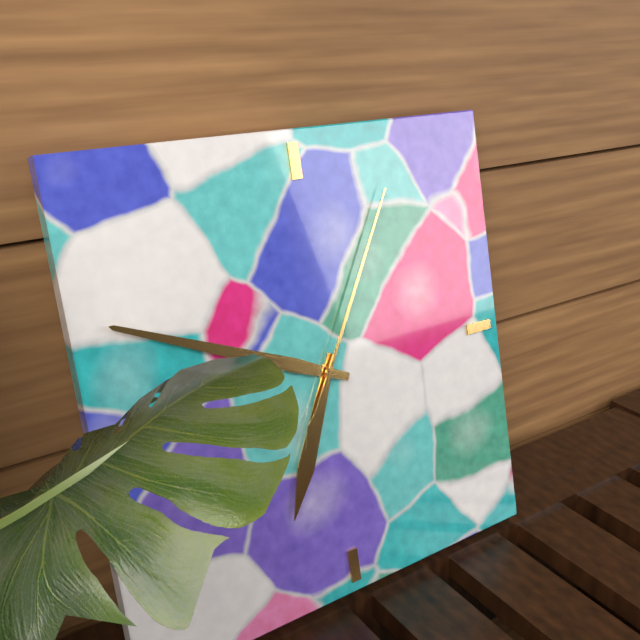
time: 6:49:05
